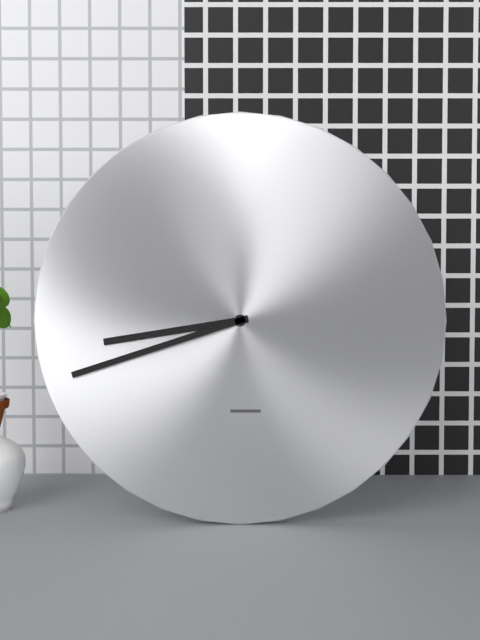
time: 8:42
